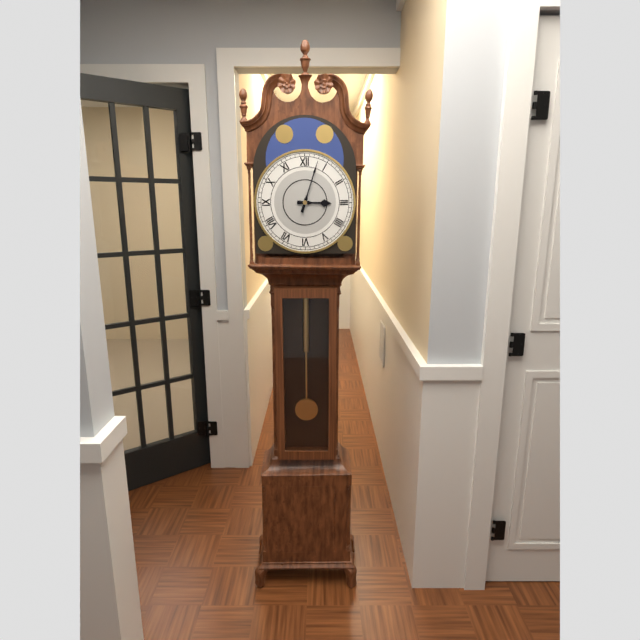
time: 3:03
